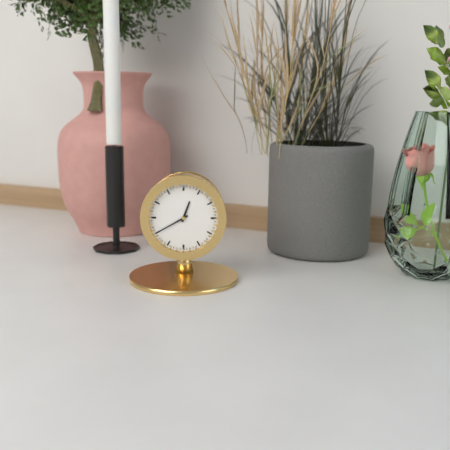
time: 12:40
